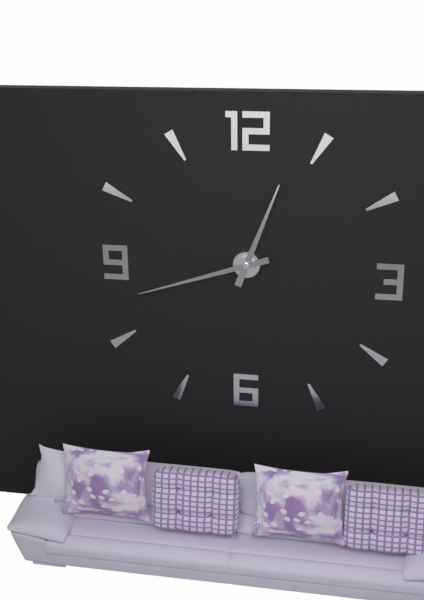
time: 12:42
